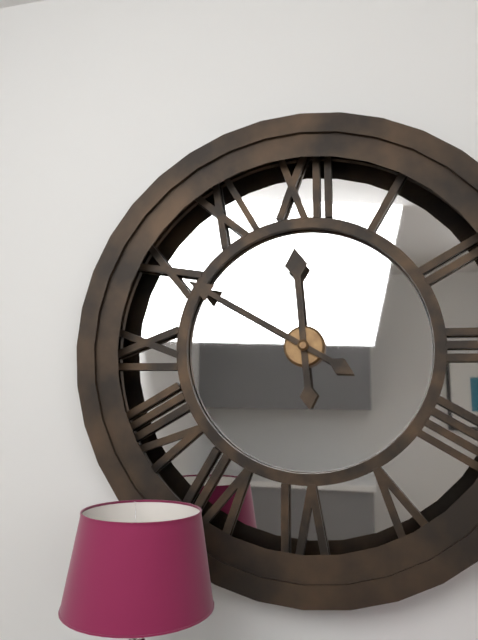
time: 11:50
